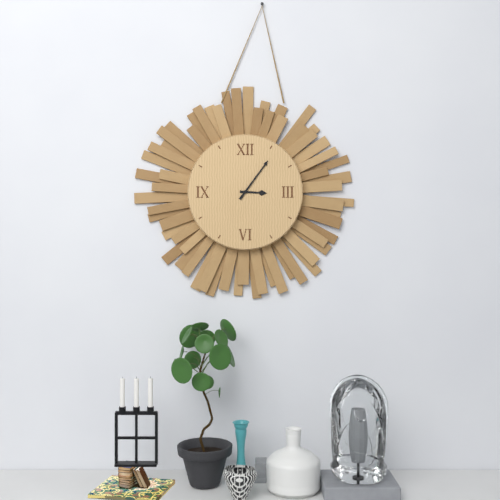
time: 3:06
